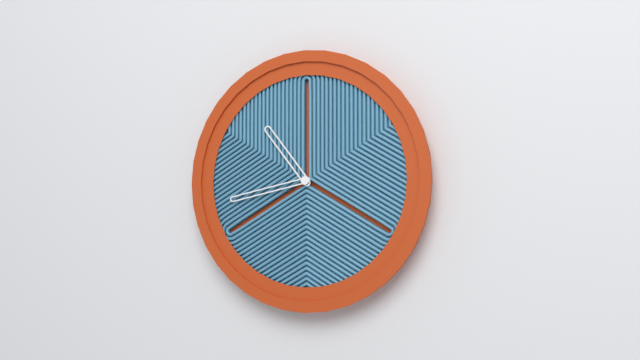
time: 10:43
